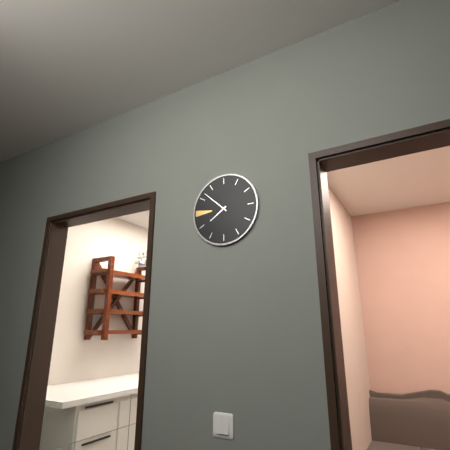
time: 7:52
